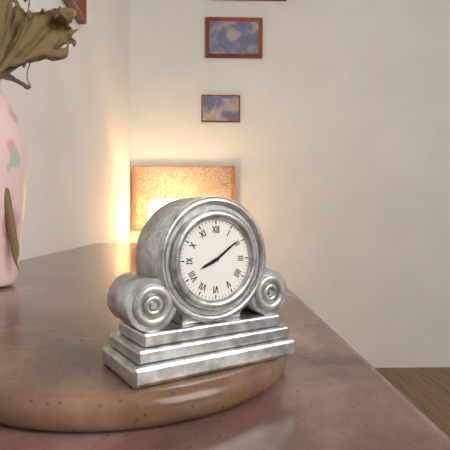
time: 8:09
